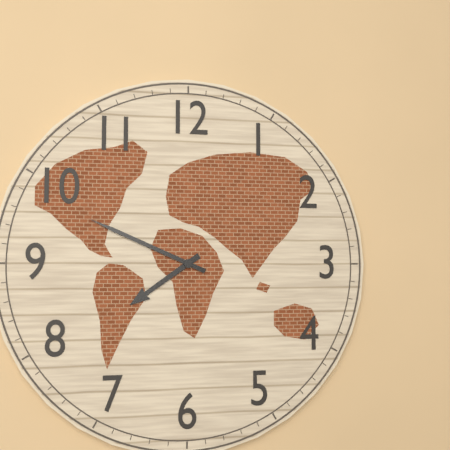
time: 7:49
